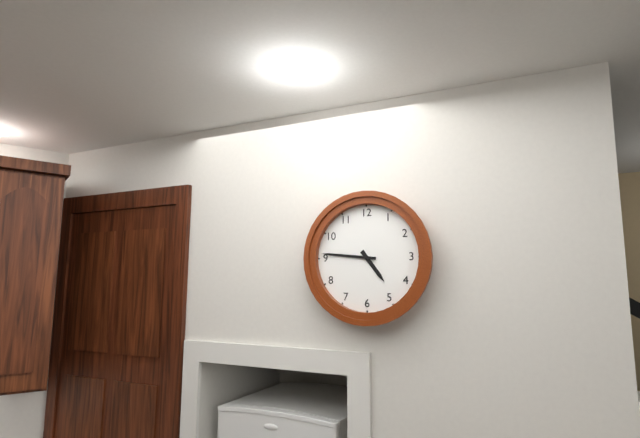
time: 4:46
